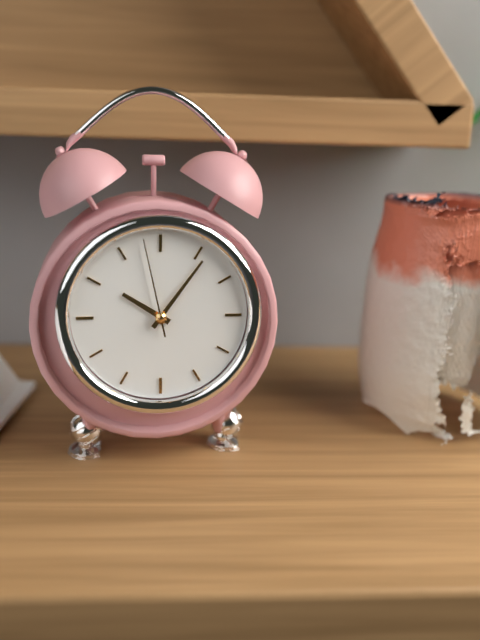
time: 10:06:58
